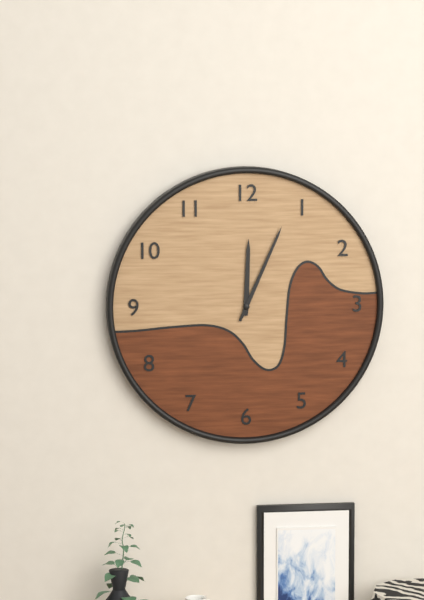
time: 12:04
